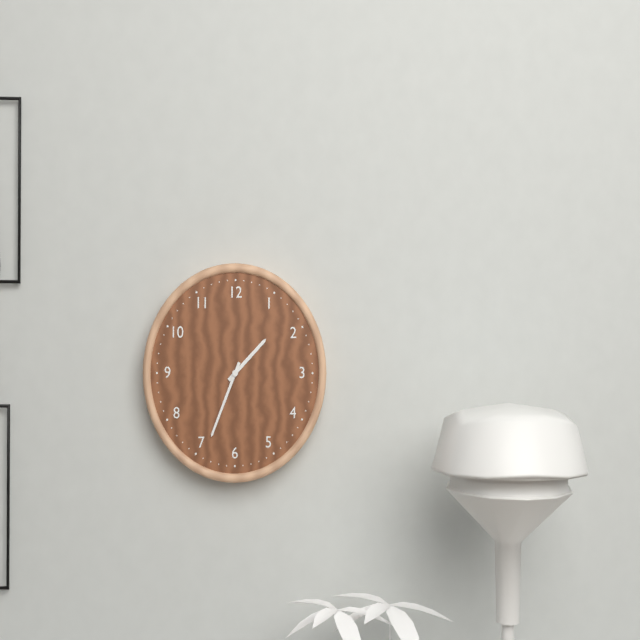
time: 1:34
